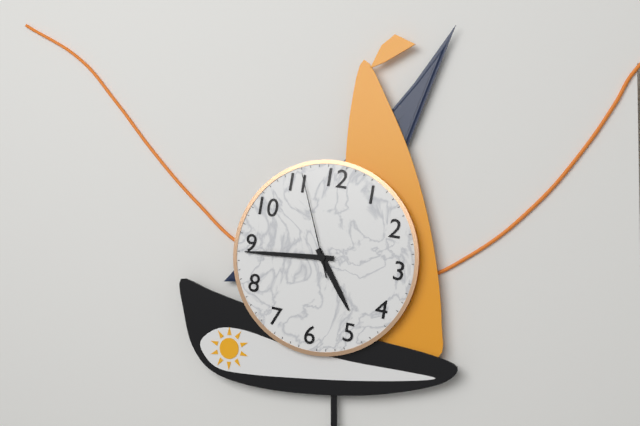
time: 4:44:56
